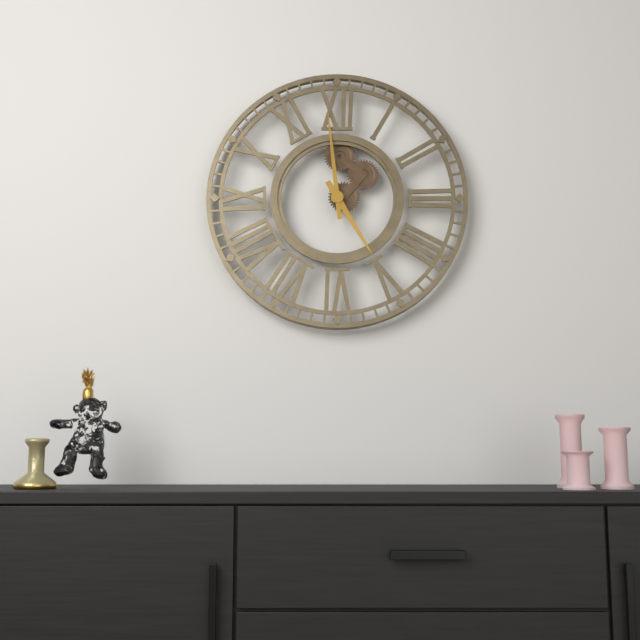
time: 4:59
